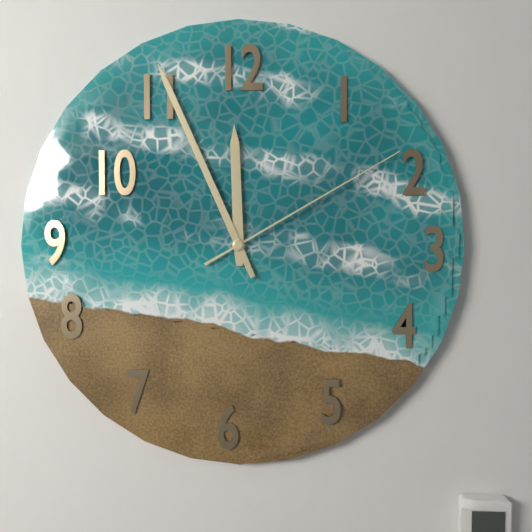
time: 11:56:10
